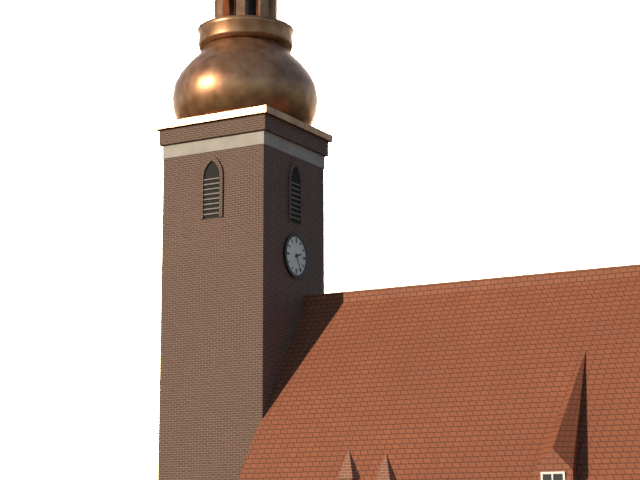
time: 2:25
